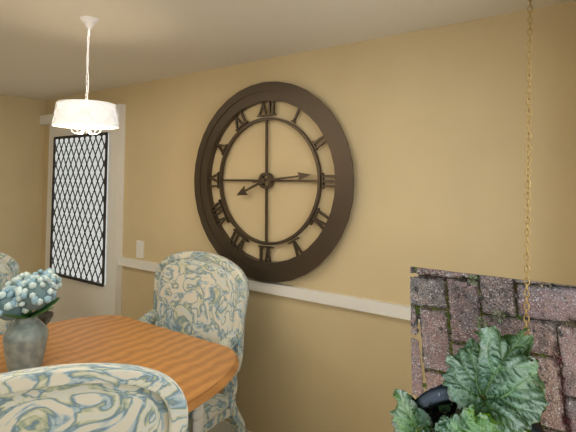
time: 8:14
